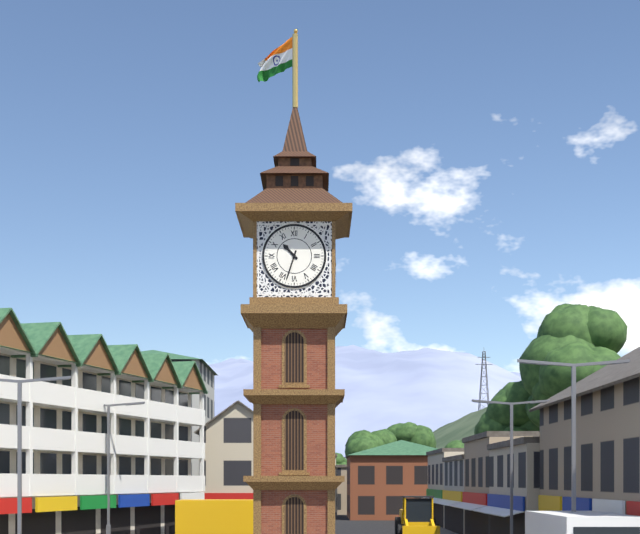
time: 10:33
